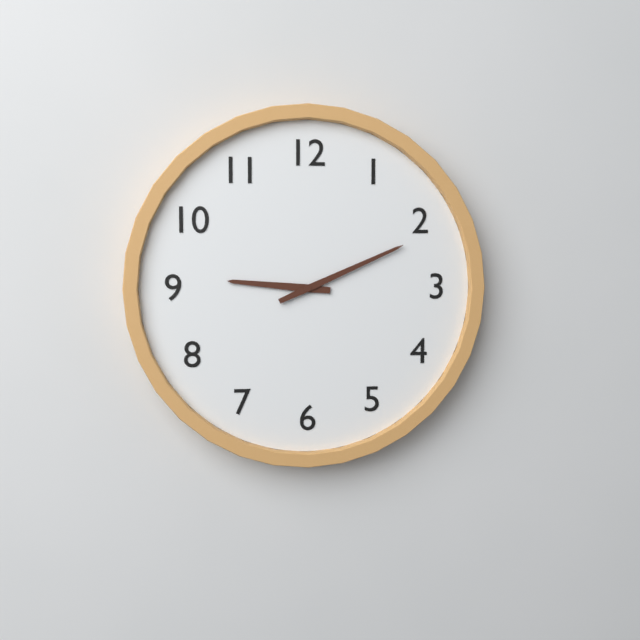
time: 9:11
